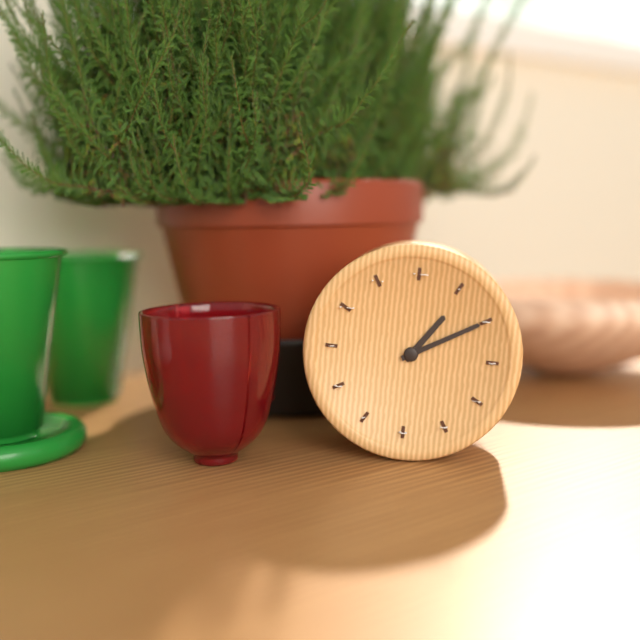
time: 1:10
